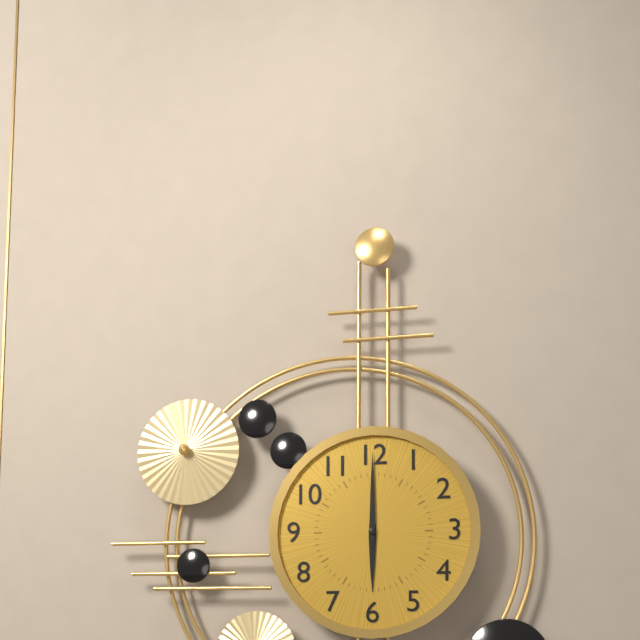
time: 6:00
